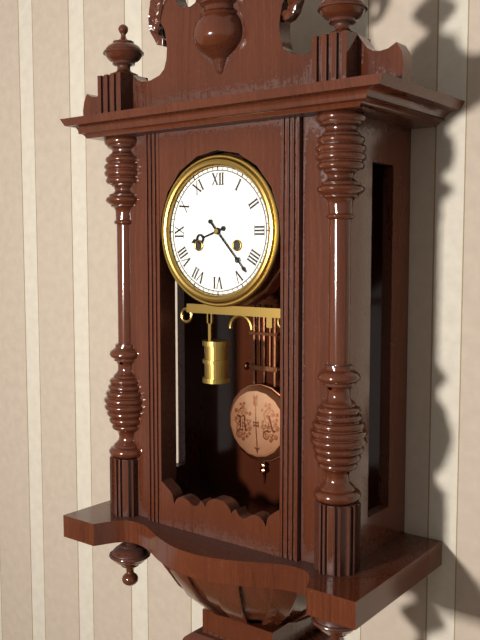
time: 8:23
